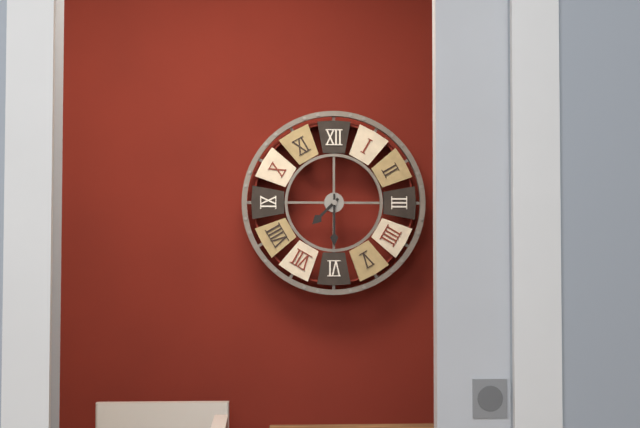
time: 7:30
